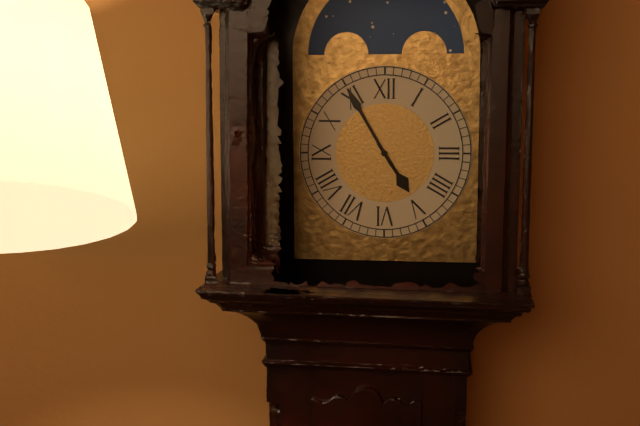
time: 4:55
